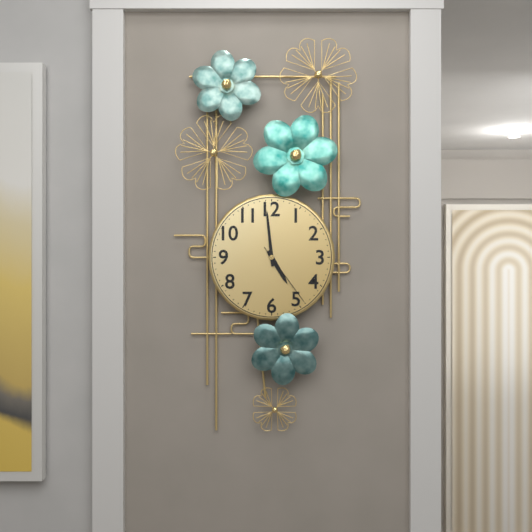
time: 4:59:24
